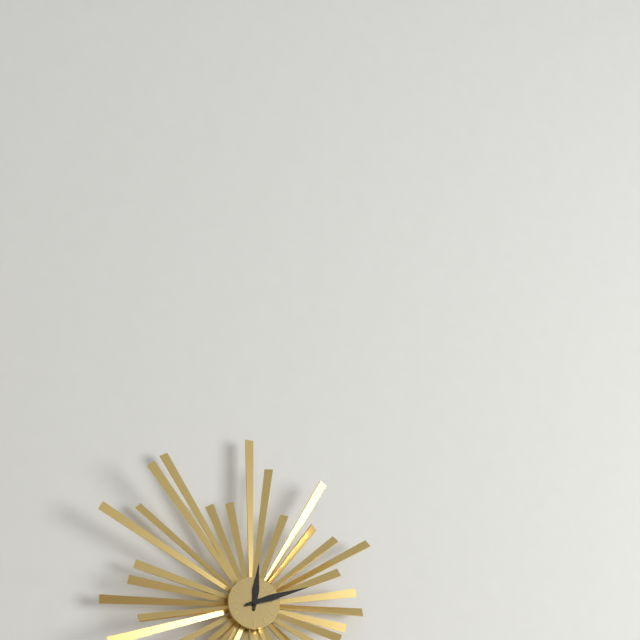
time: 12:12
